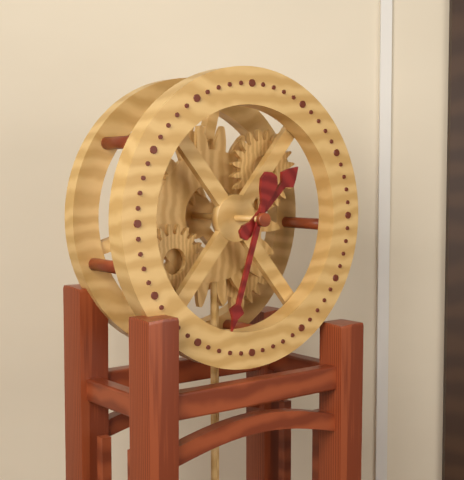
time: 1:33
